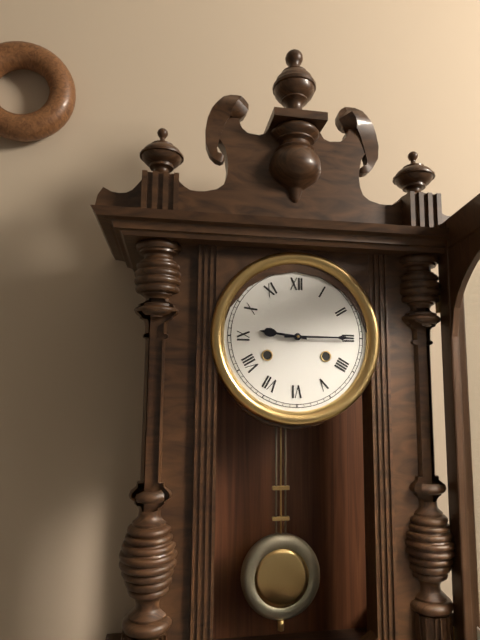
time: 9:15
